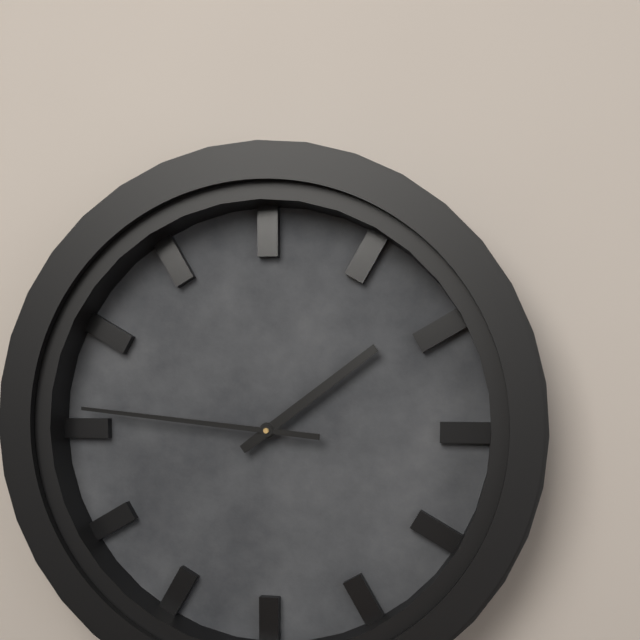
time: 1:46
